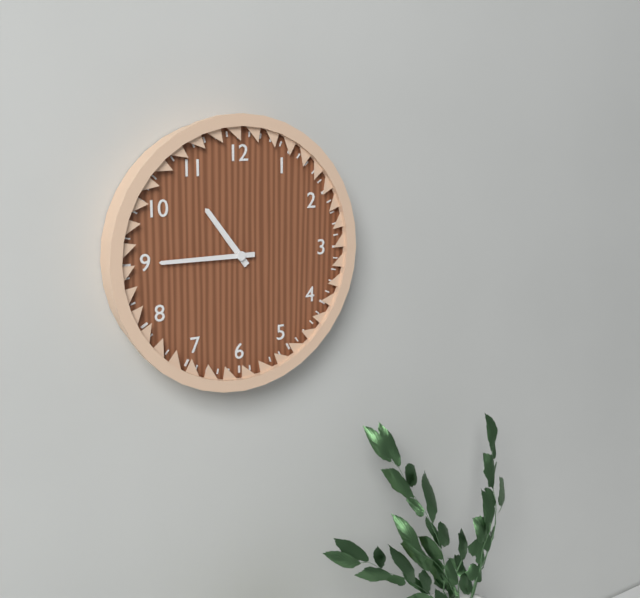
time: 10:45
